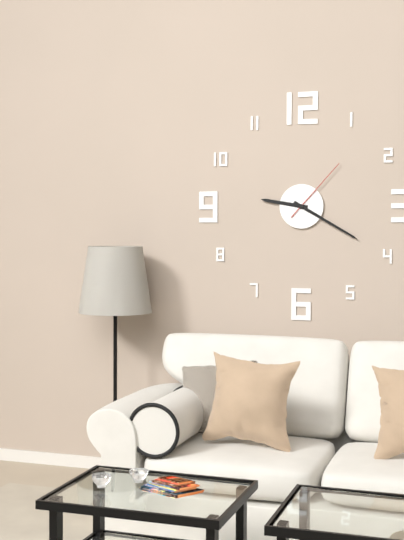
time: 9:20:07
